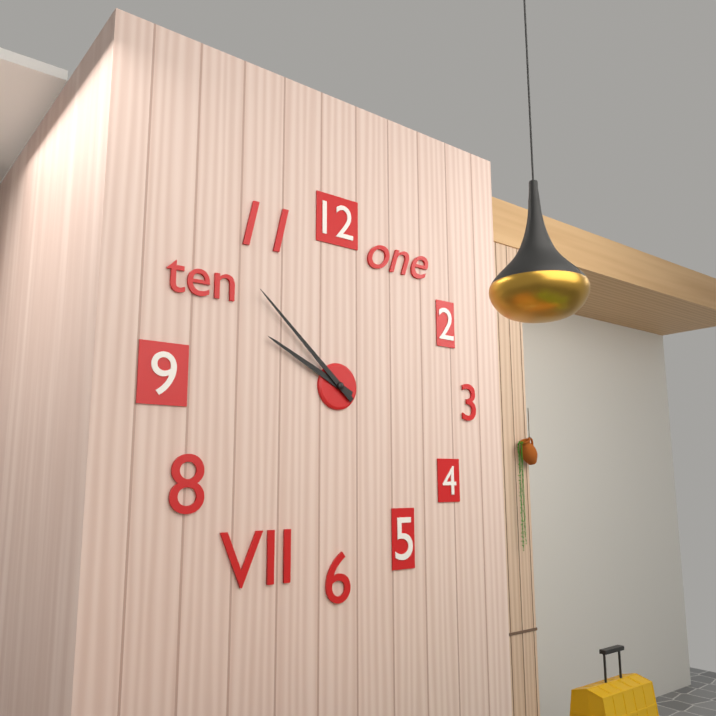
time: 9:52
